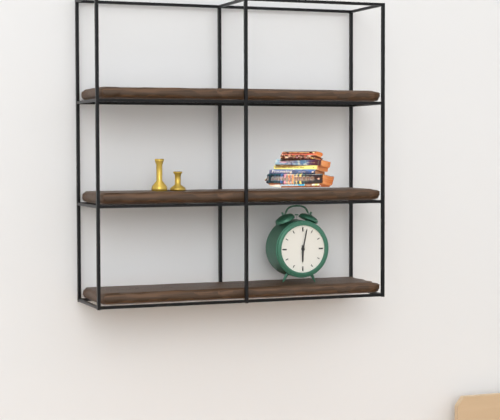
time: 6:02
